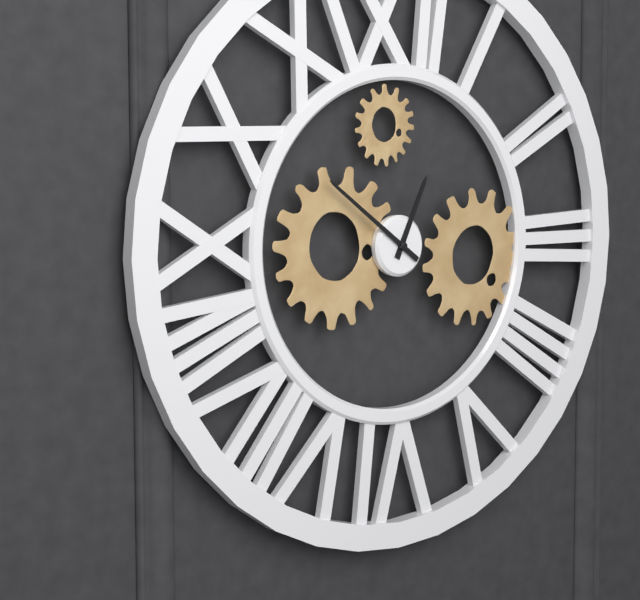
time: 12:51
